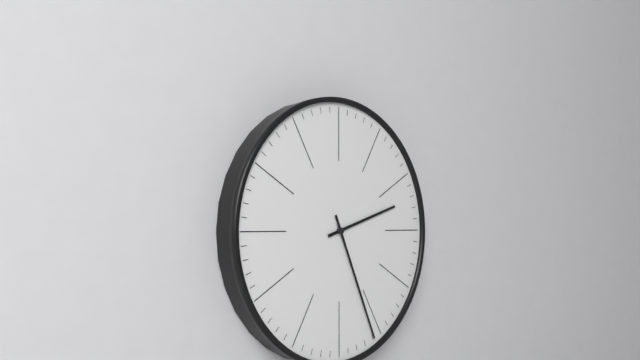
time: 2:26
